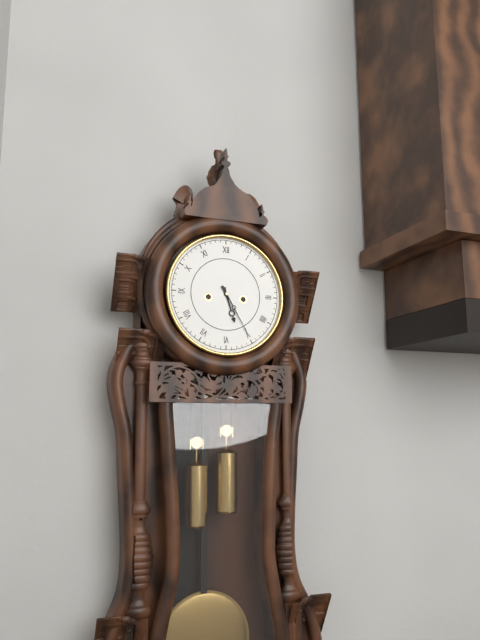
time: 5:25
